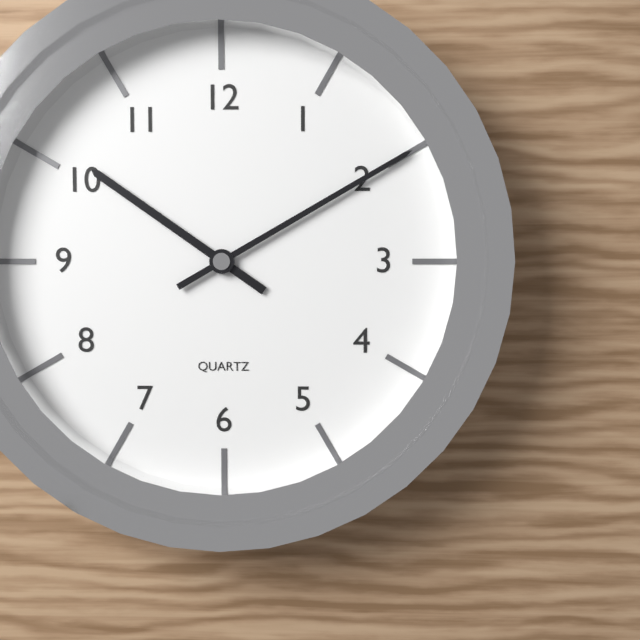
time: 10:10
